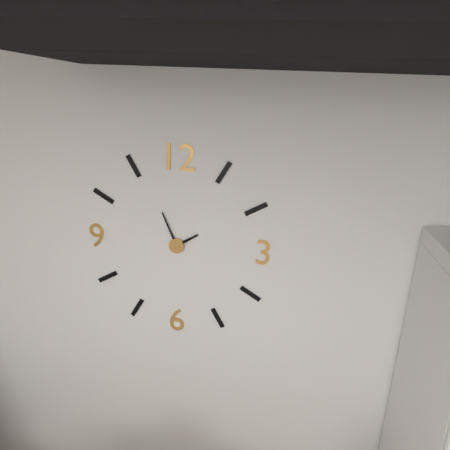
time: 1:56
